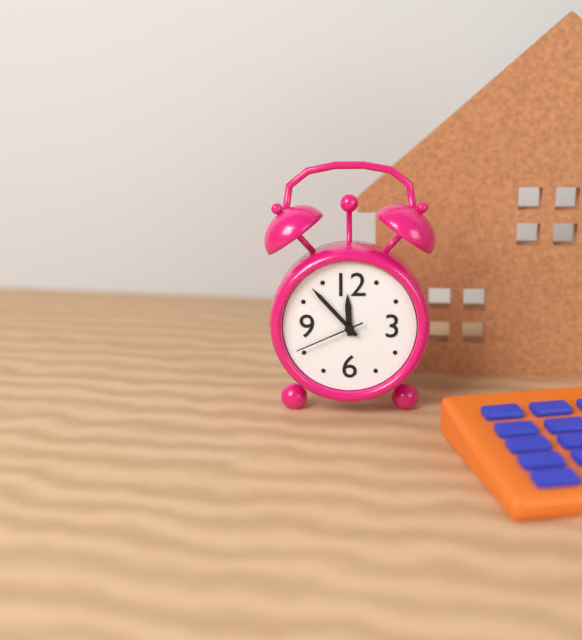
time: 11:53:41
